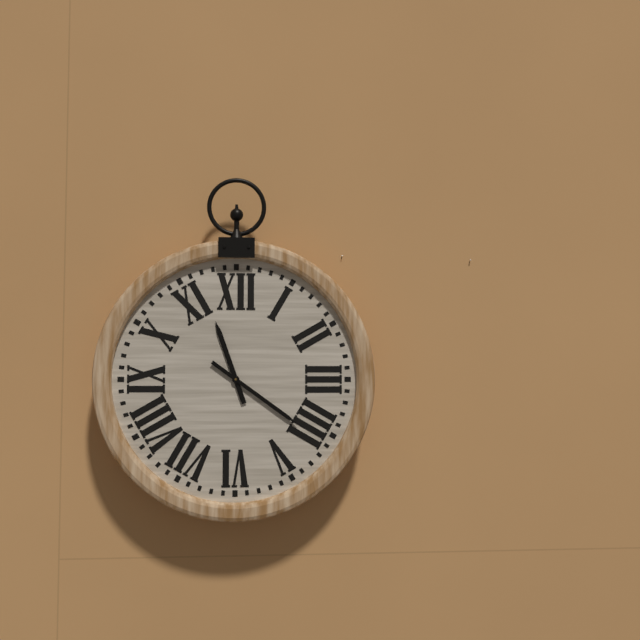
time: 11:21
